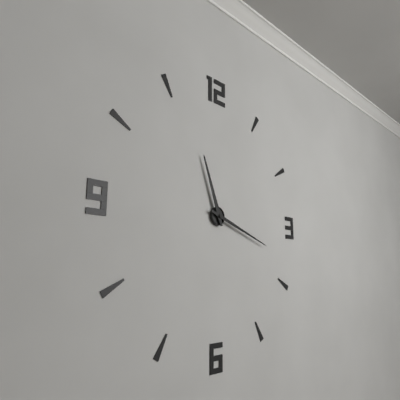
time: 11:18
